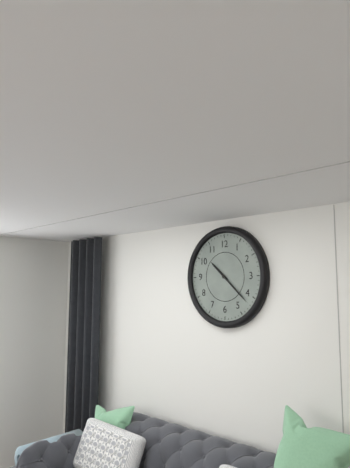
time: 10:22
